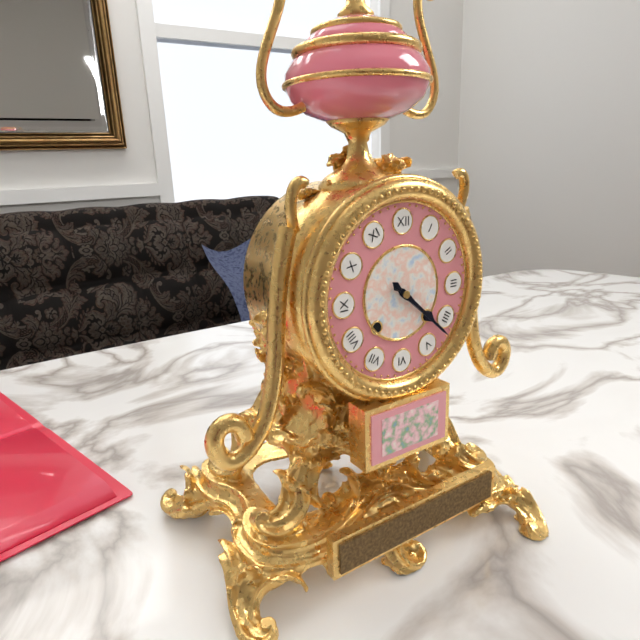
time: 4:22
